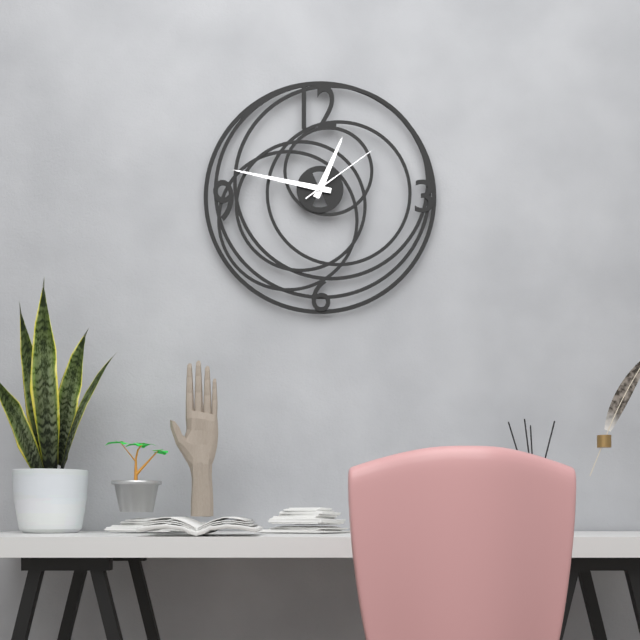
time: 12:47:09
